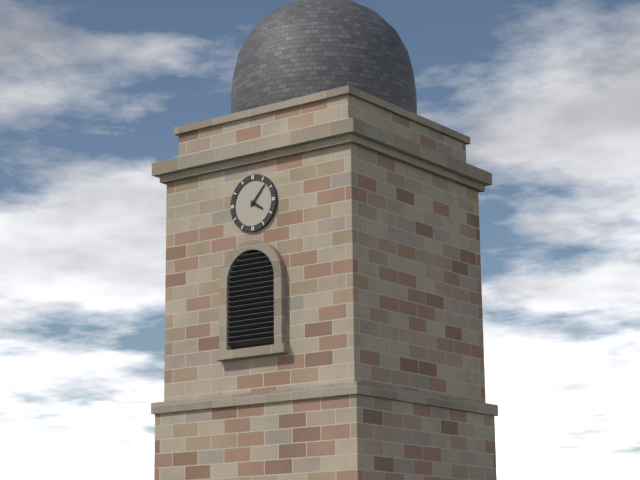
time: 4:07
